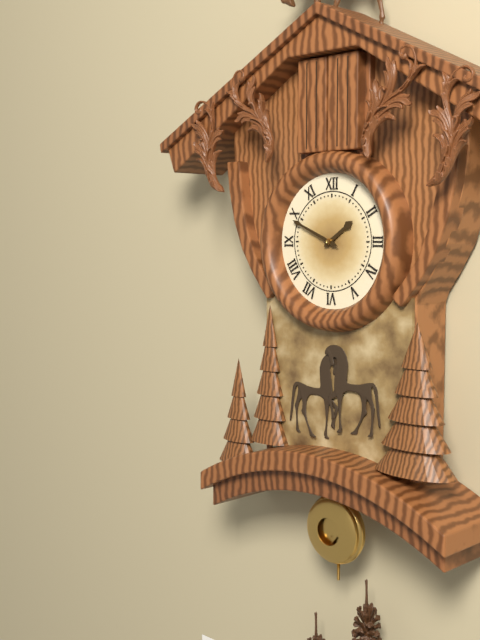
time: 1:49
